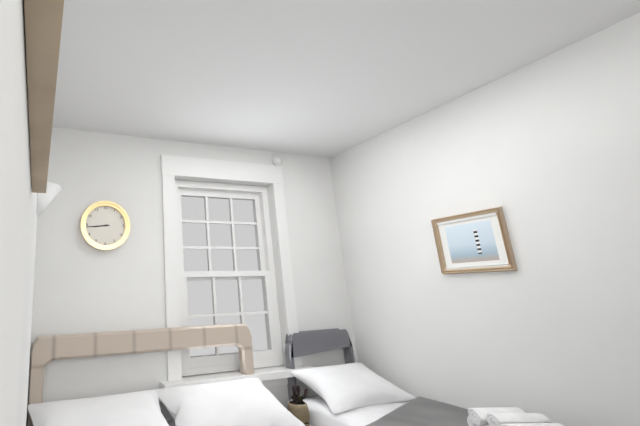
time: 8:44
